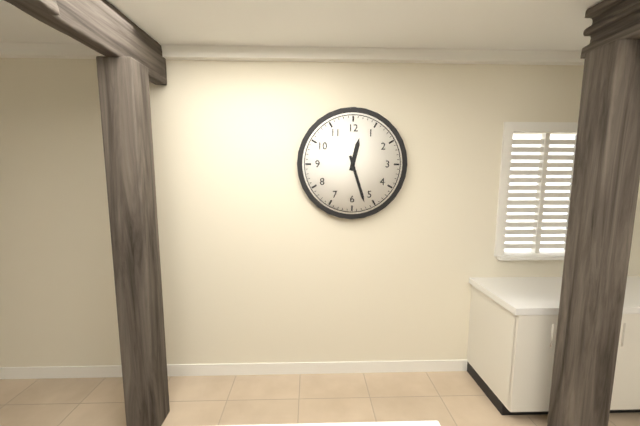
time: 12:27
